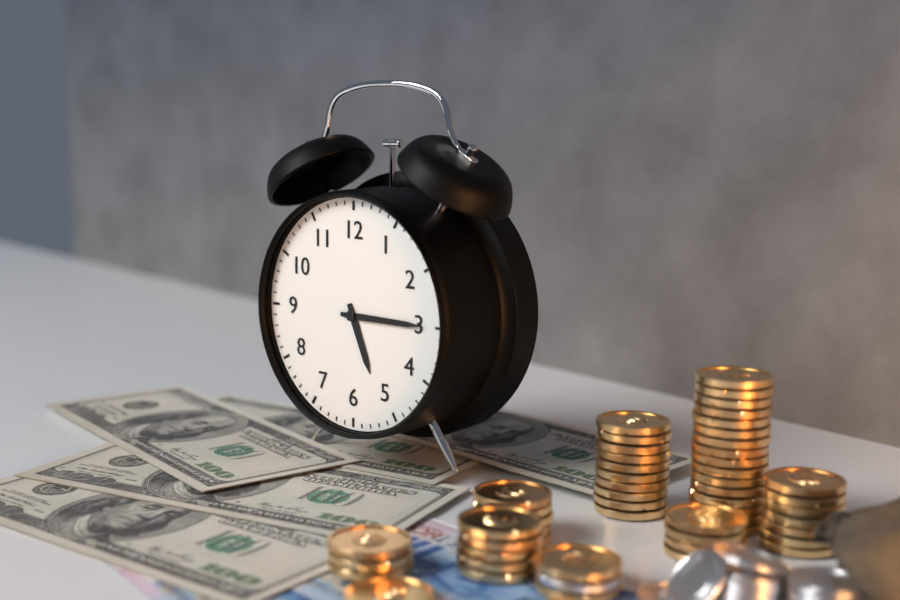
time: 5:15
